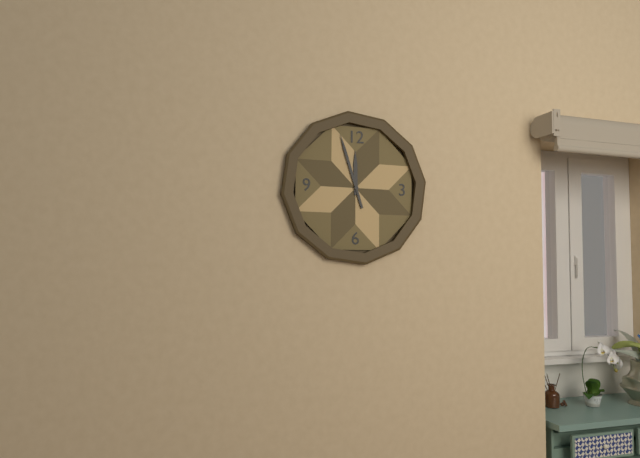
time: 11:57
